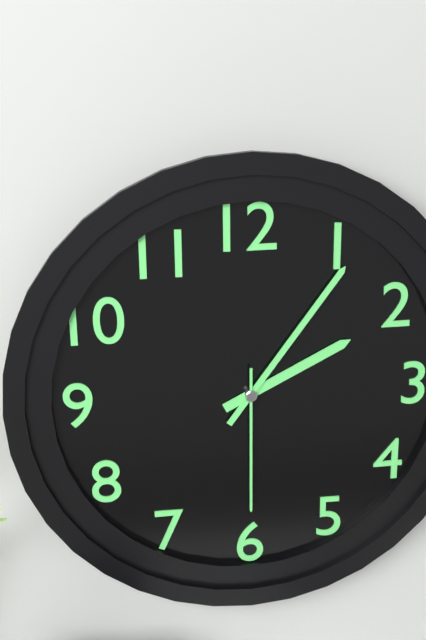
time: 2:06:30
